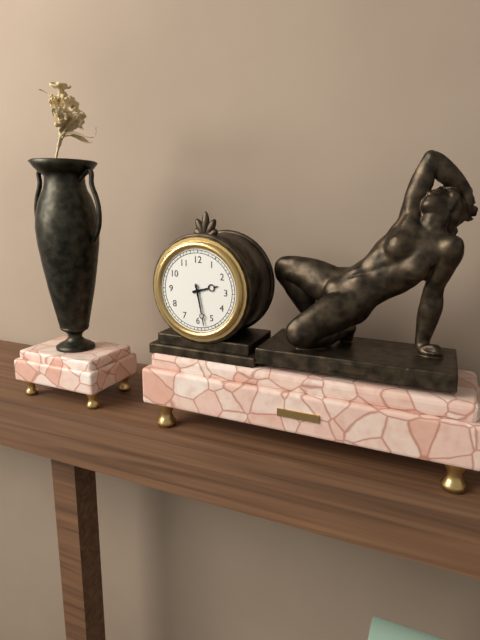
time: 2:28
